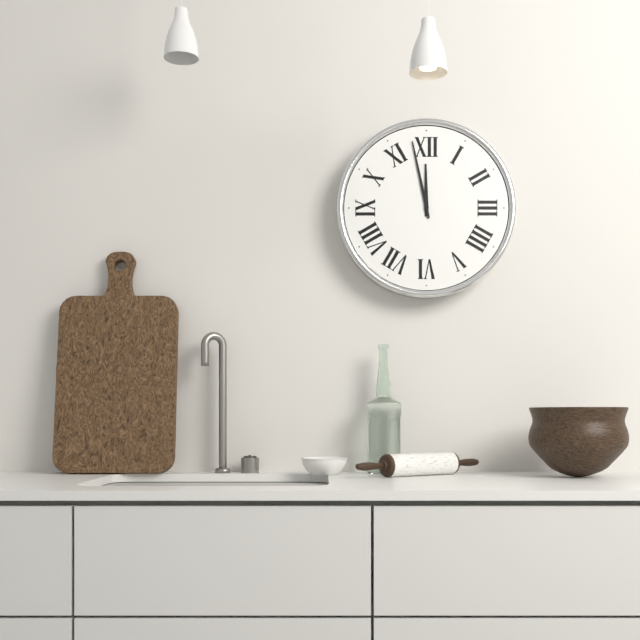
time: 11:58
